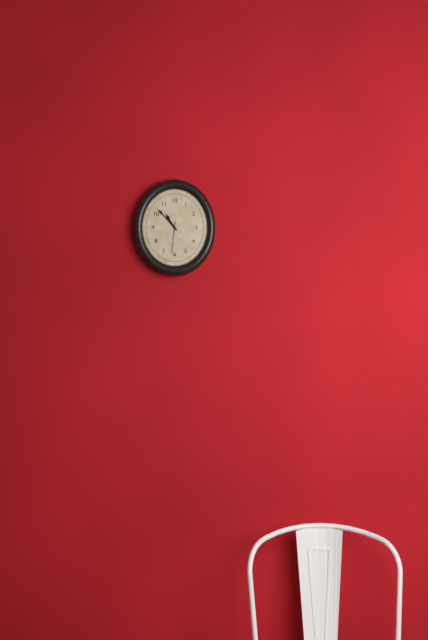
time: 10:53
